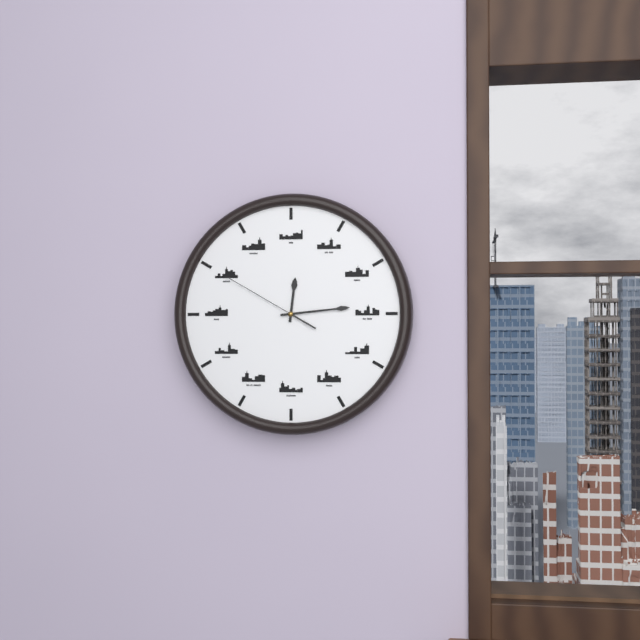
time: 12:14:50
